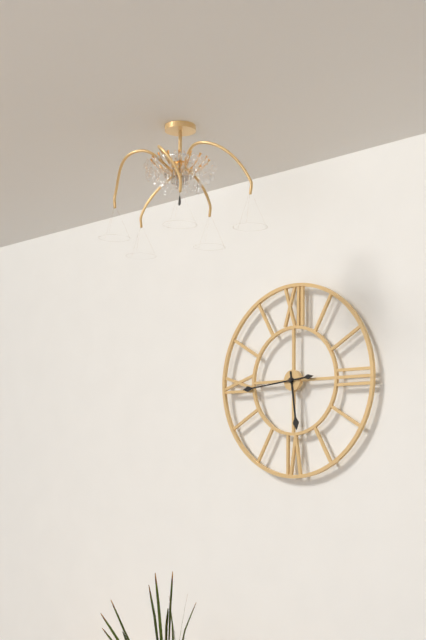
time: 5:44
